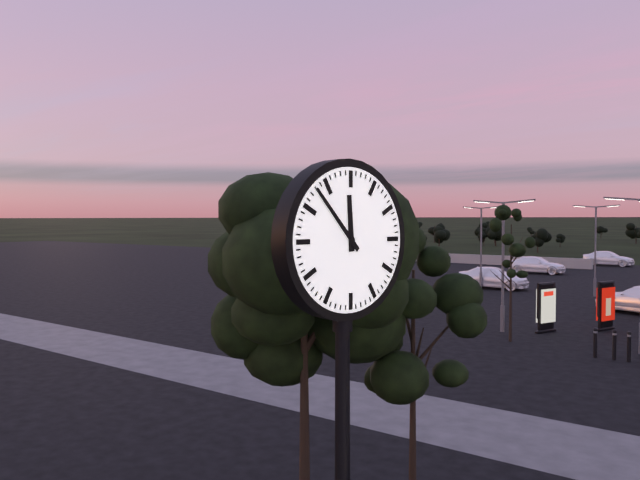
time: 11:53
